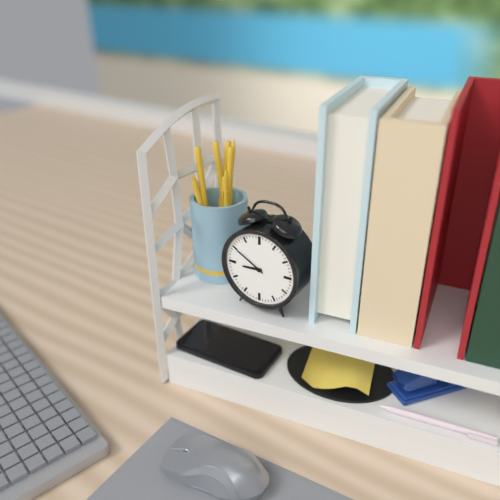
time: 8:50
